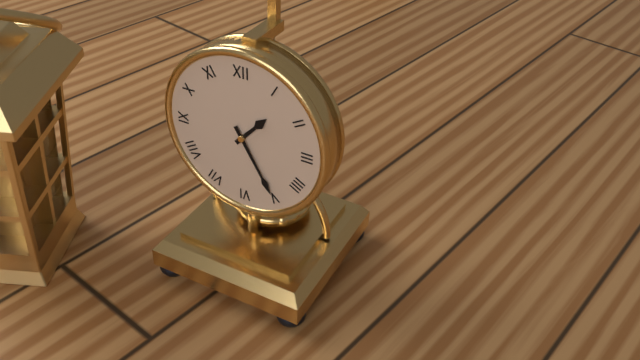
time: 1:25
